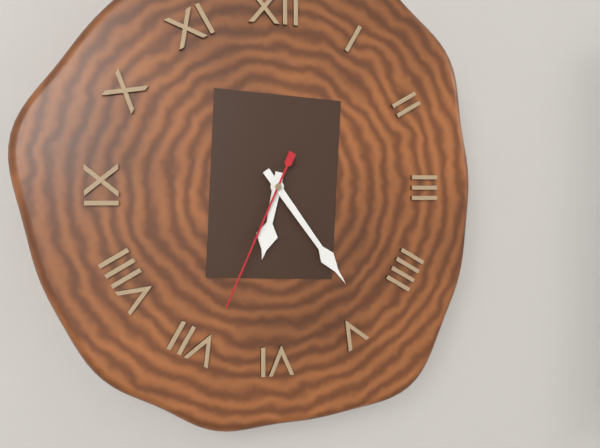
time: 6:24:34
